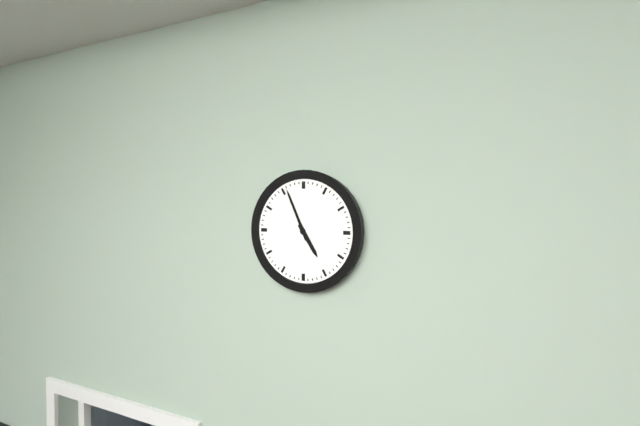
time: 4:56
